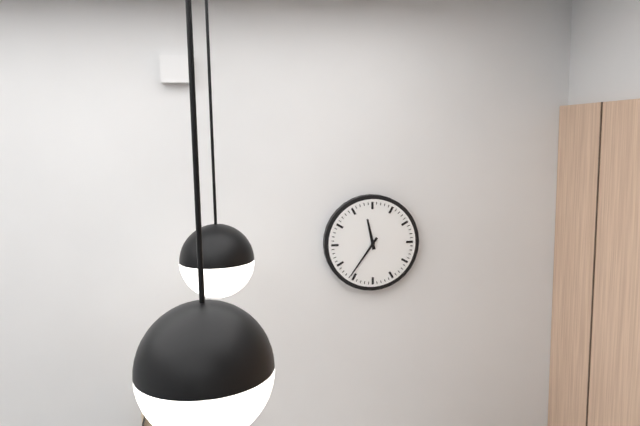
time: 11:36
